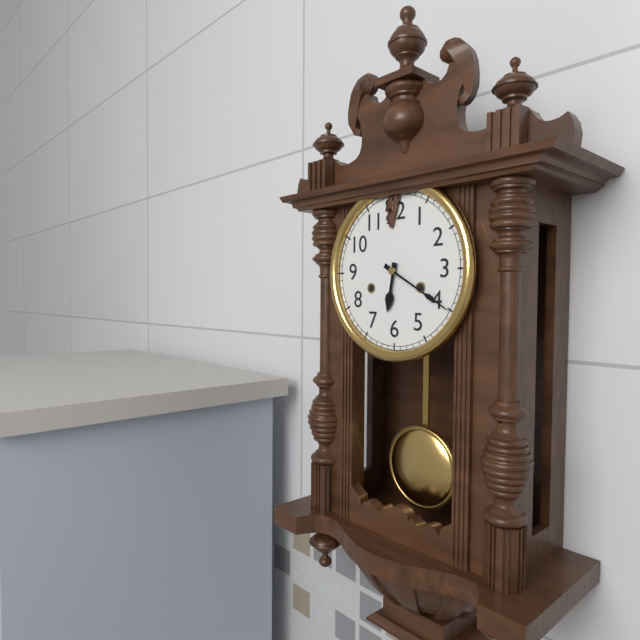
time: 6:20
